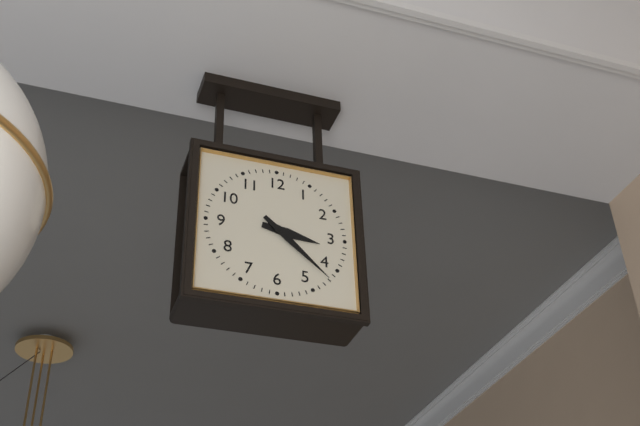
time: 3:22
